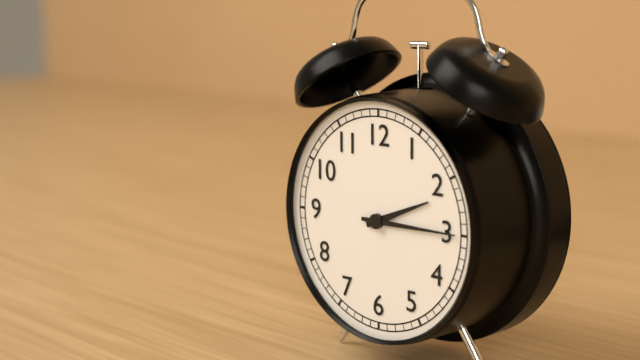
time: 2:15
